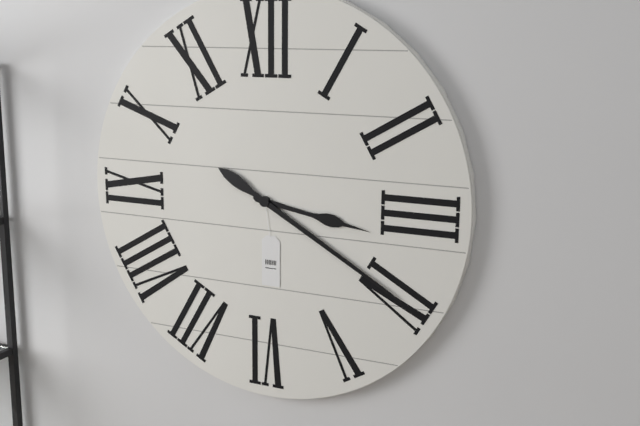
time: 3:20
